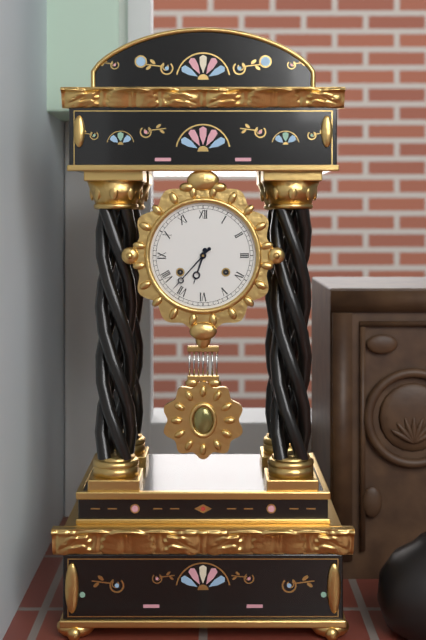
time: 6:37
